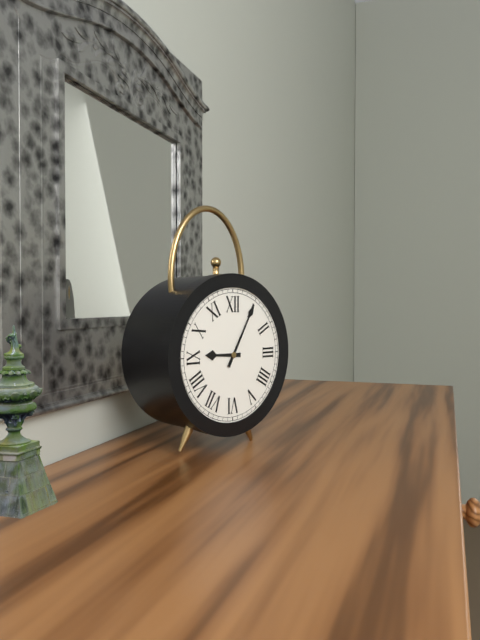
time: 9:05
